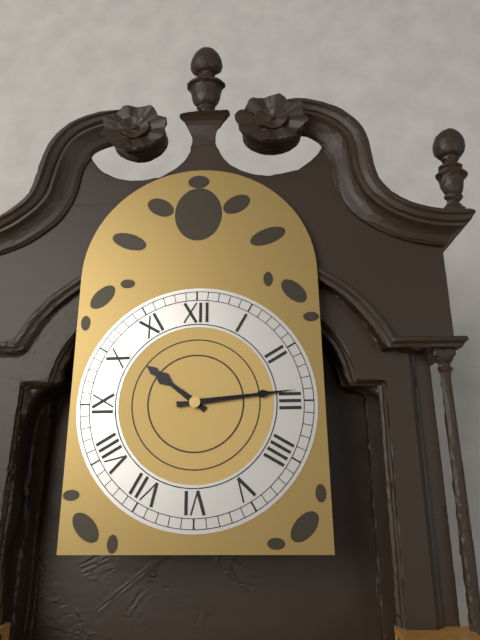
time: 10:14
